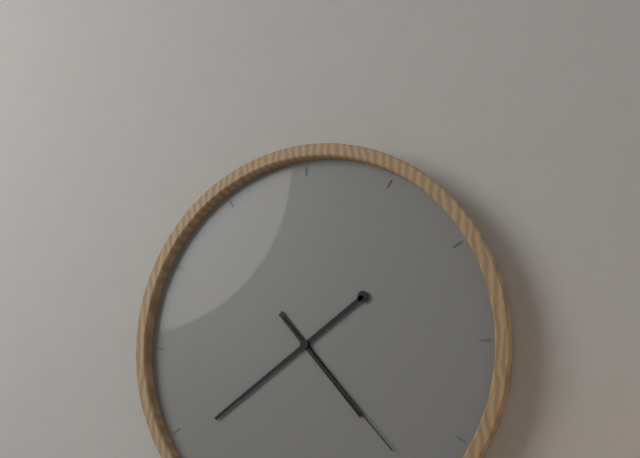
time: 4:39:23
